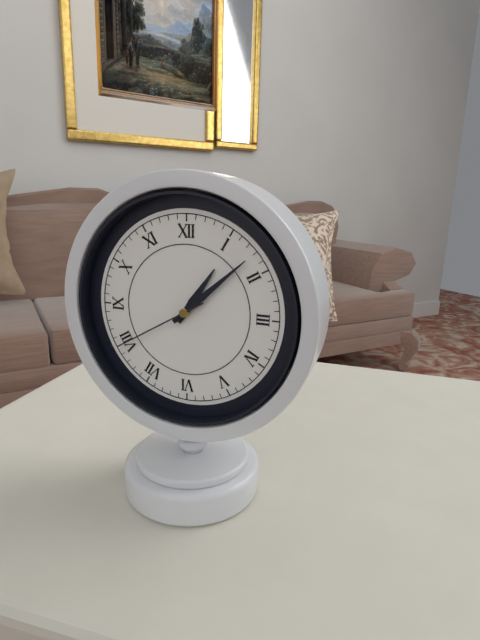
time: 1:08:40
